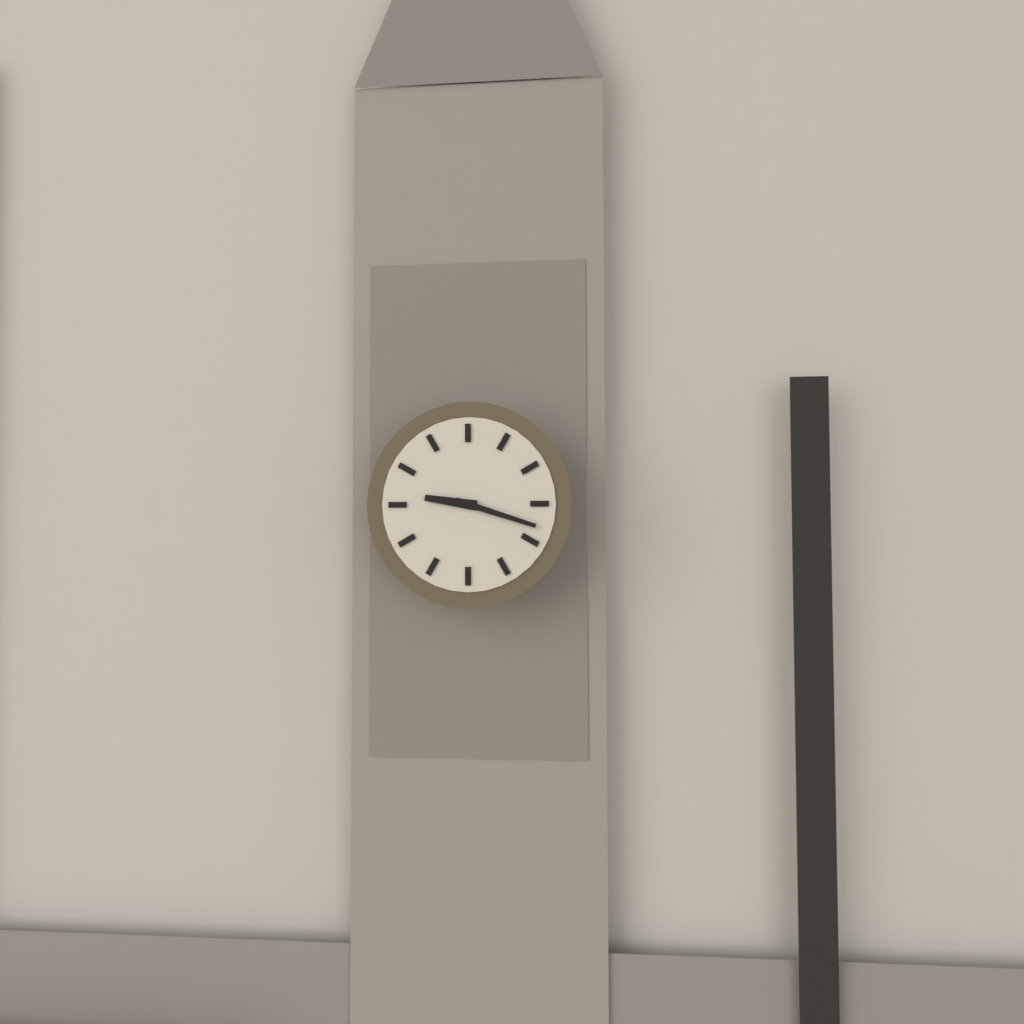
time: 9:18
